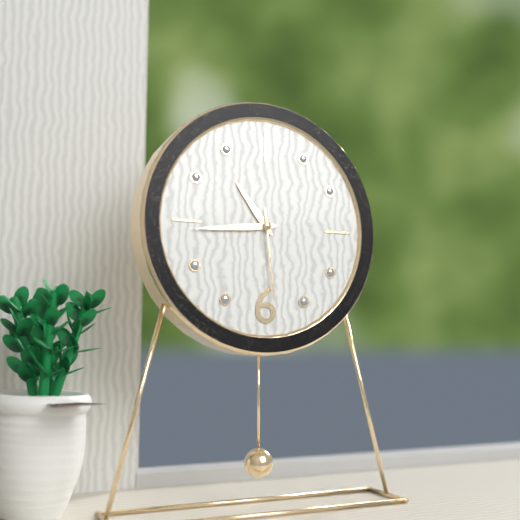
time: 10:44:29
